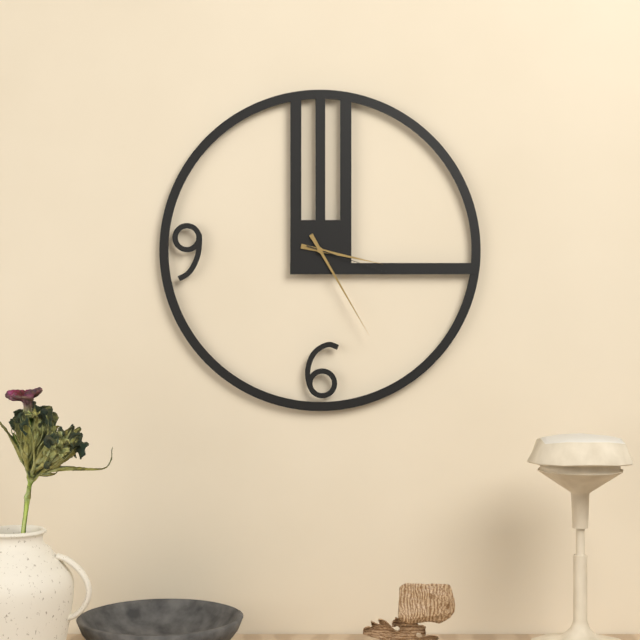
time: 3:25:18
